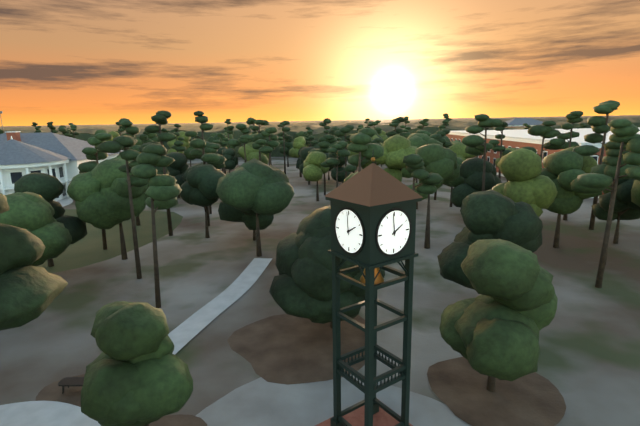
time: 1:59
